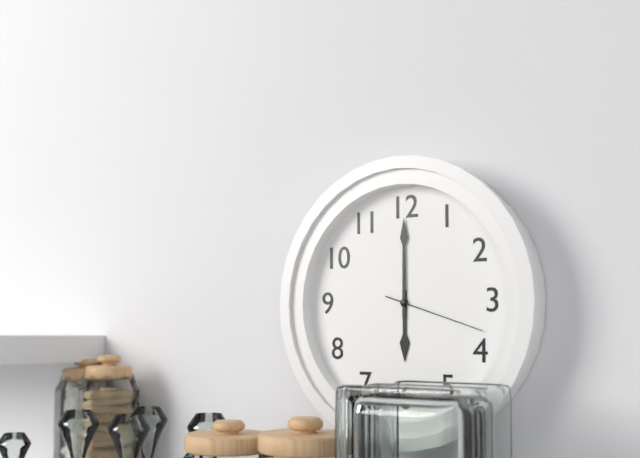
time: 6:00:18
